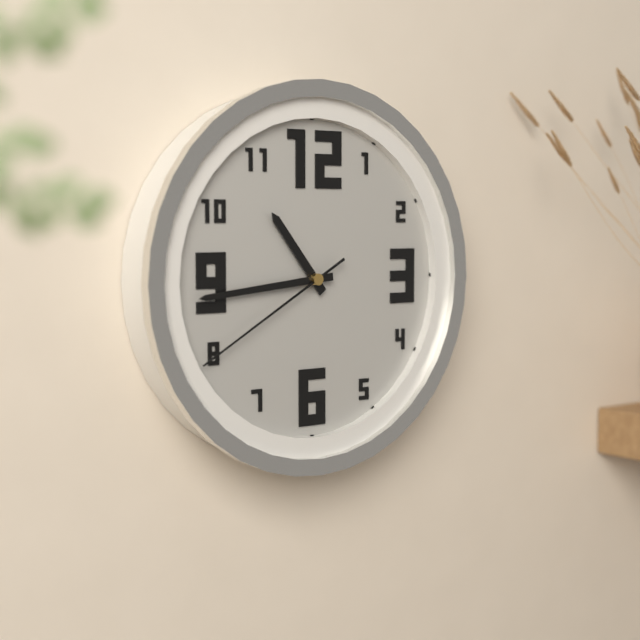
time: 10:44:40
